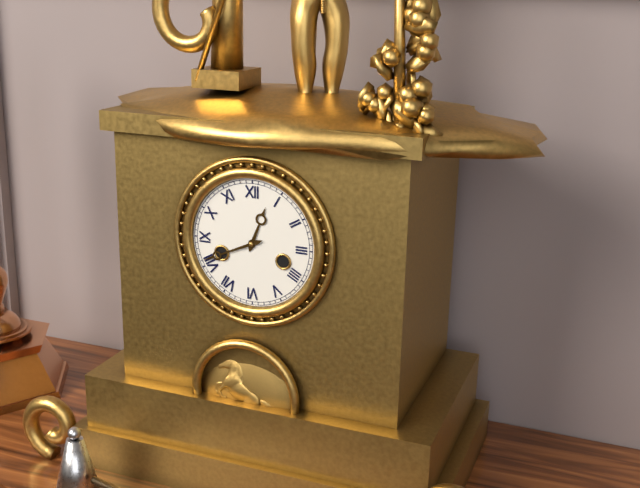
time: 12:41
